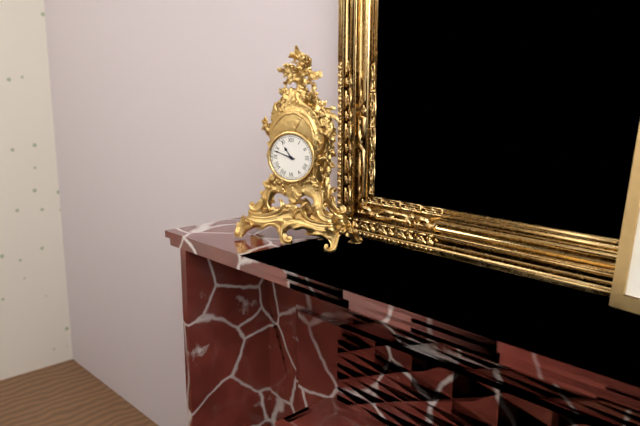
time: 10:48
